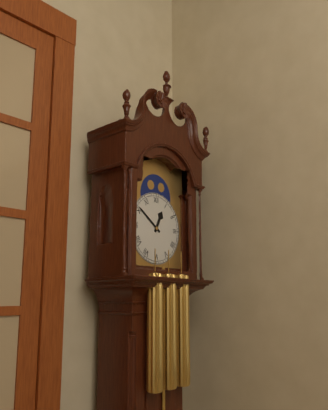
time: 12:51
